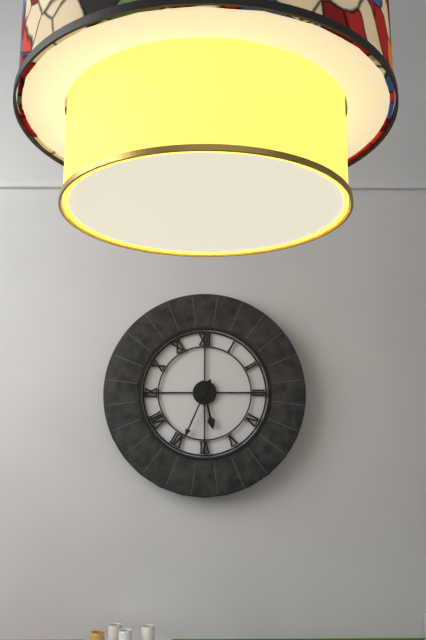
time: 5:34
